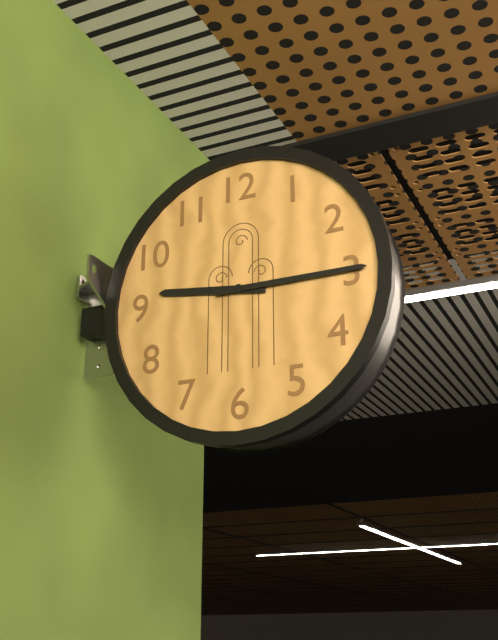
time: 9:15
